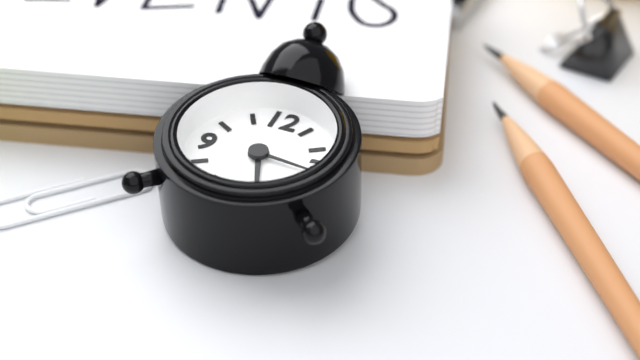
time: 5:16
